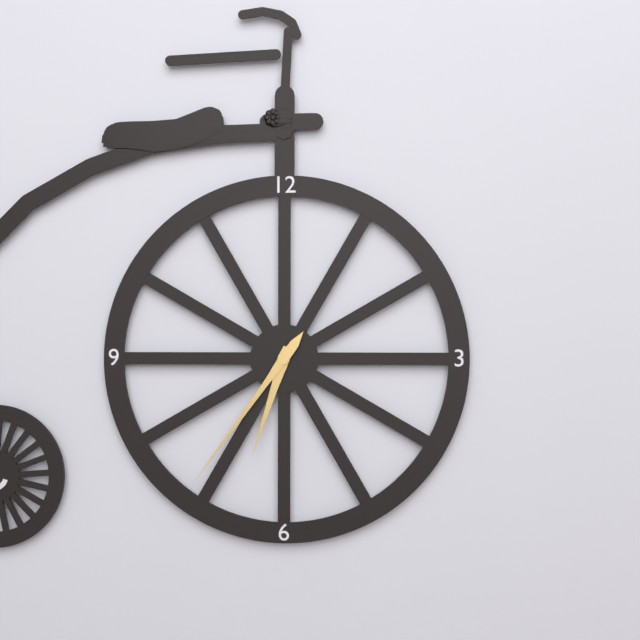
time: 6:36
